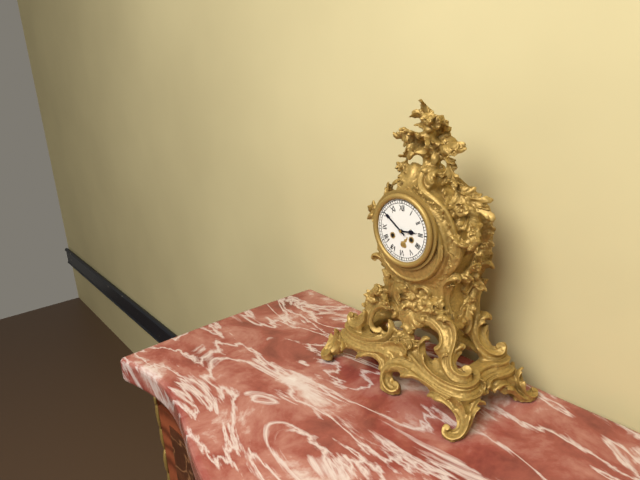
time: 2:51
